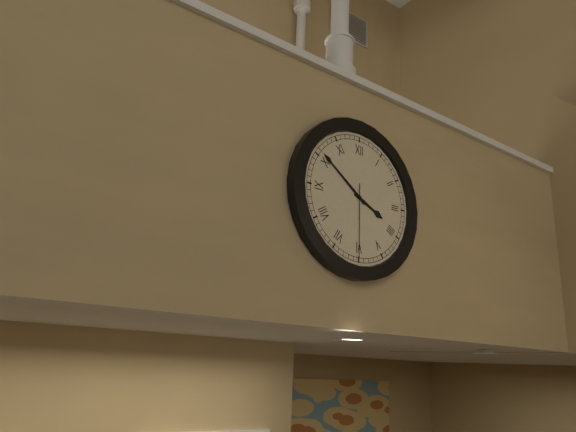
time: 3:51:30
